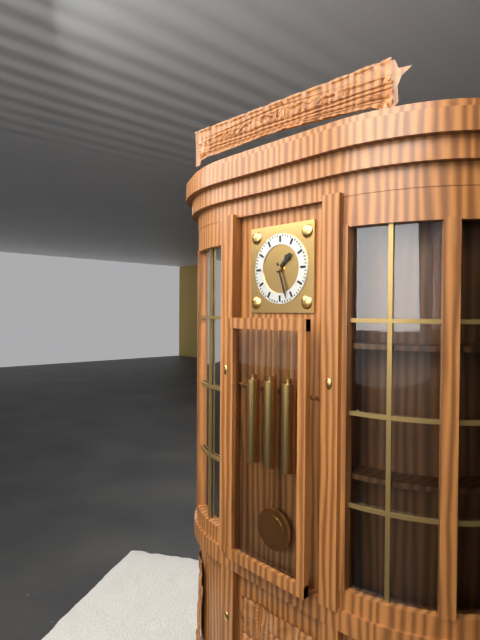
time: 1:27
